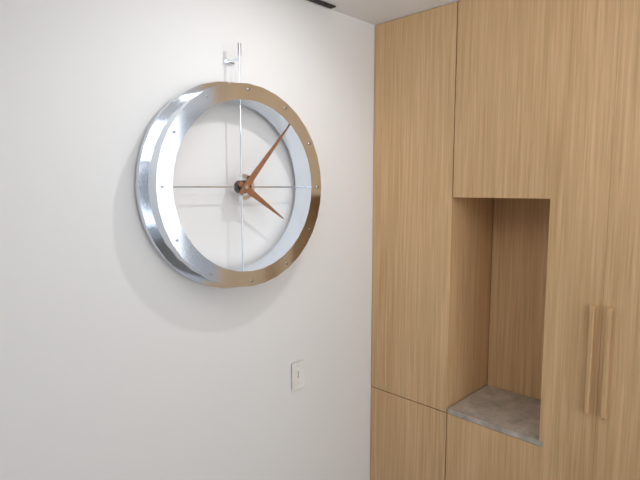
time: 4:07
